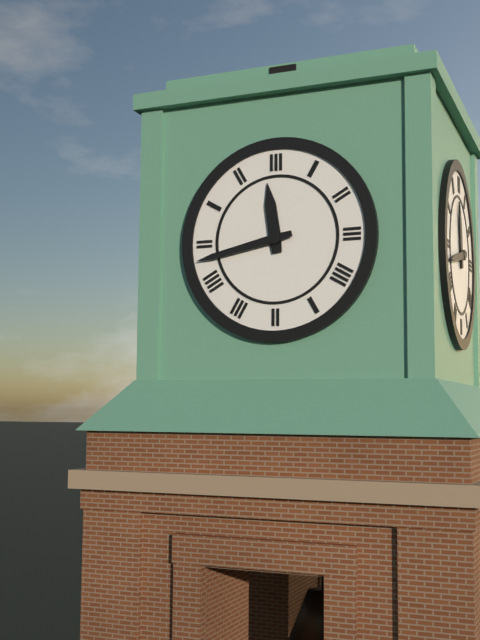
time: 11:43
